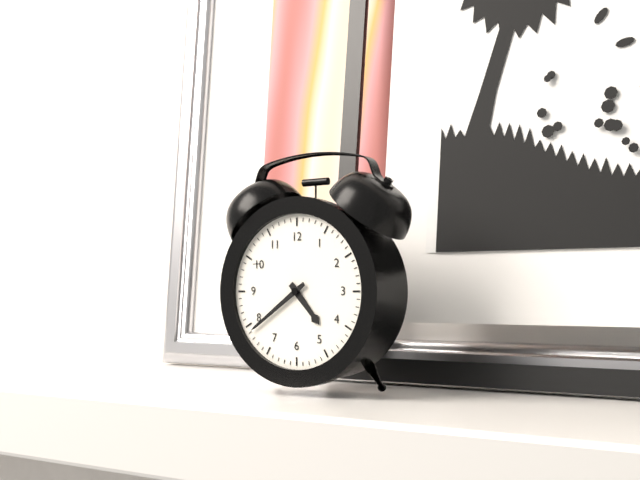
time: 4:39
